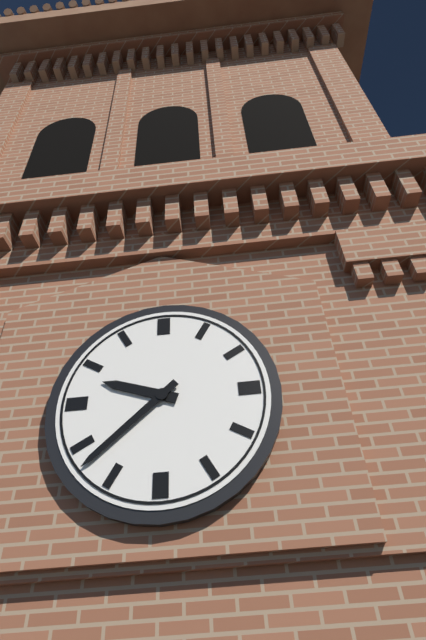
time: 9:38
